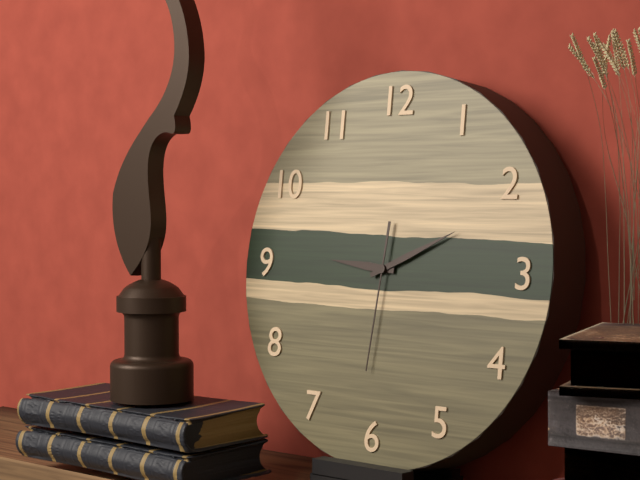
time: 9:11:31
